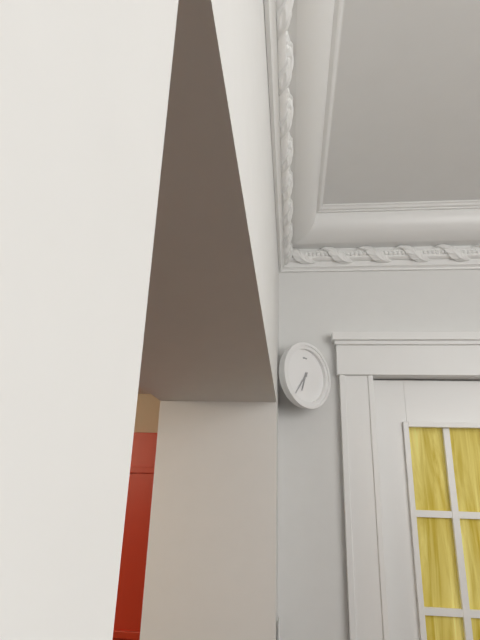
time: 6:36
